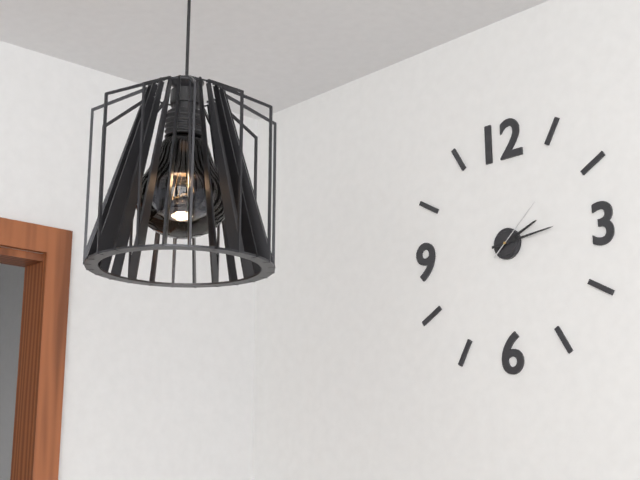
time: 2:14:08
